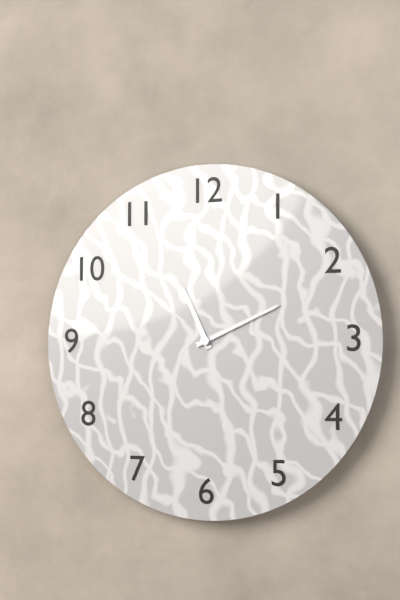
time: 11:11
